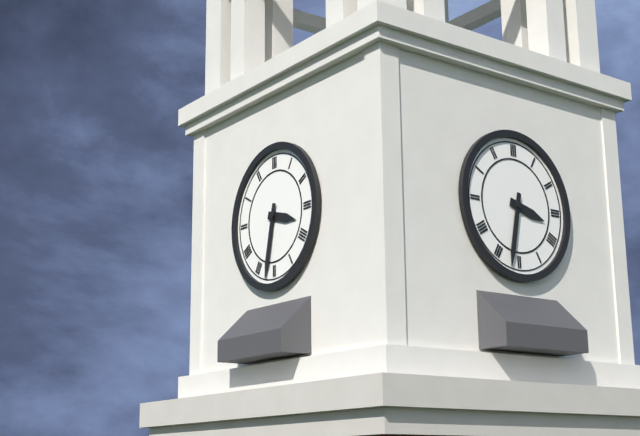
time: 3:32
